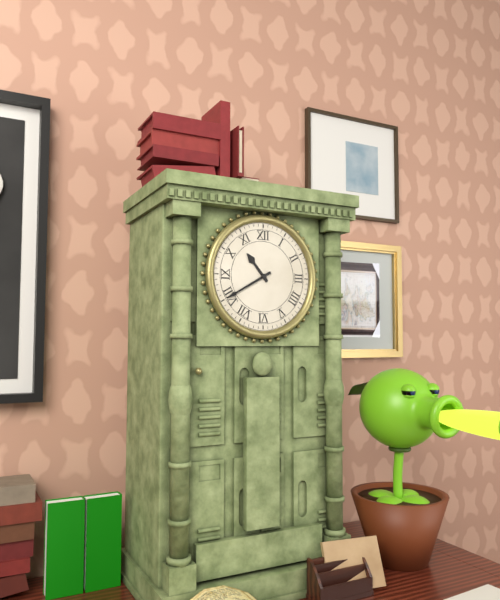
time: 10:40
